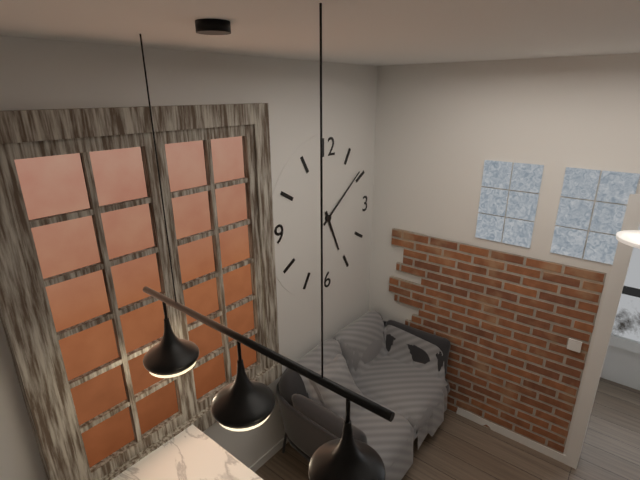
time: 5:09
